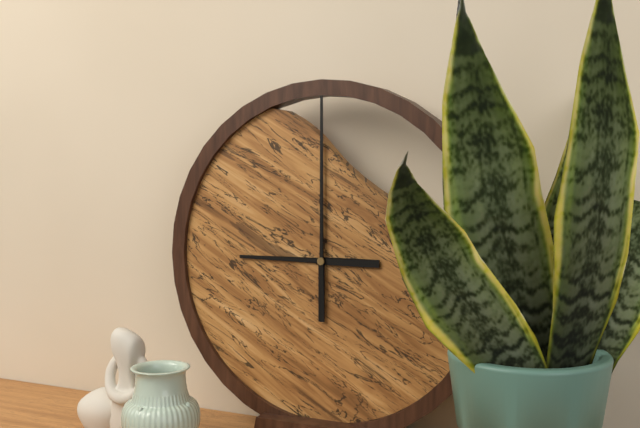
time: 9:00
